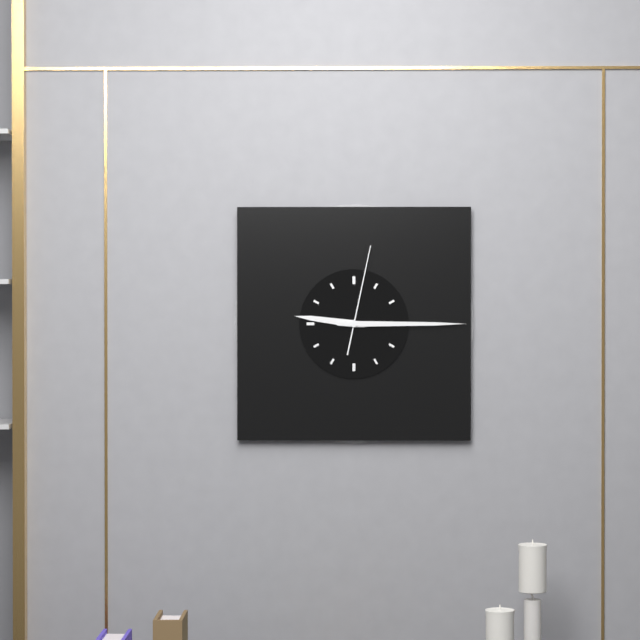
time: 9:15:02
